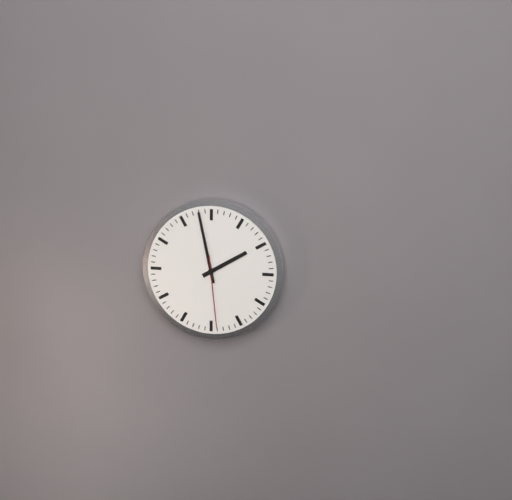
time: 1:58:29
